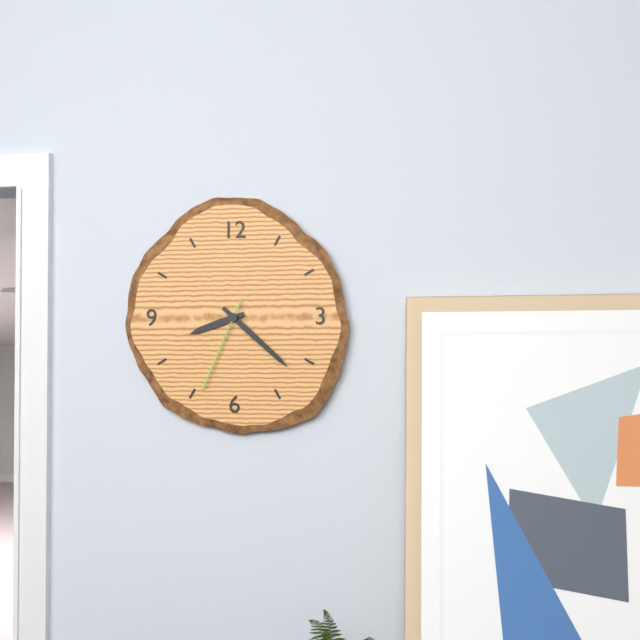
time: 8:22:34
